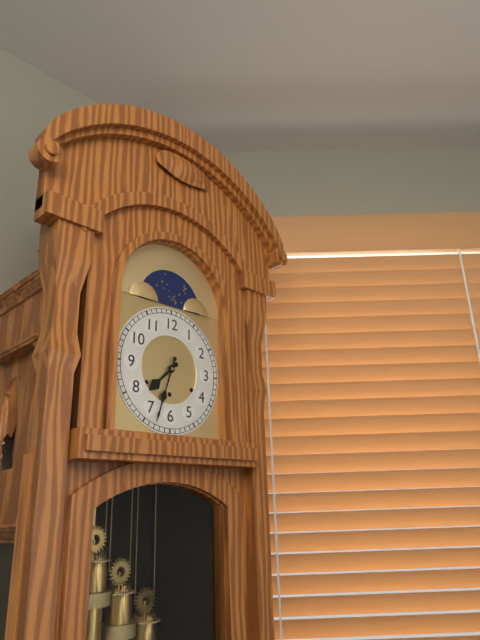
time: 7:33
